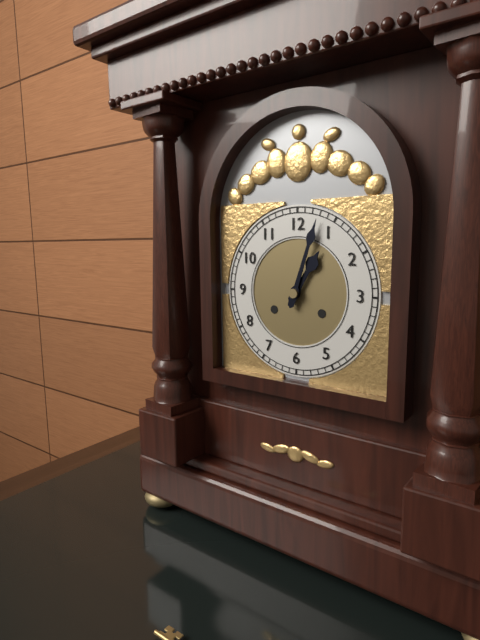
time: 1:03
